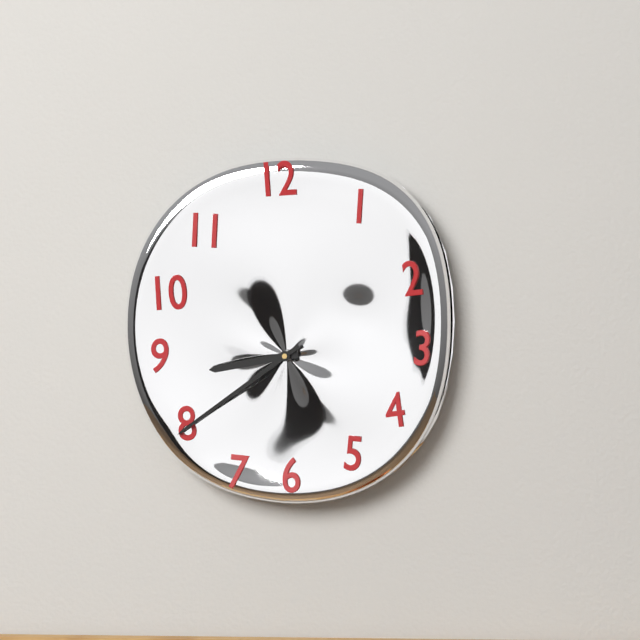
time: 8:39
